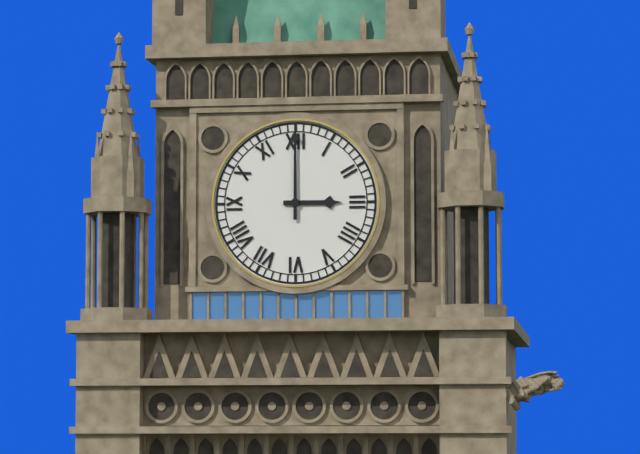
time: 3:00
